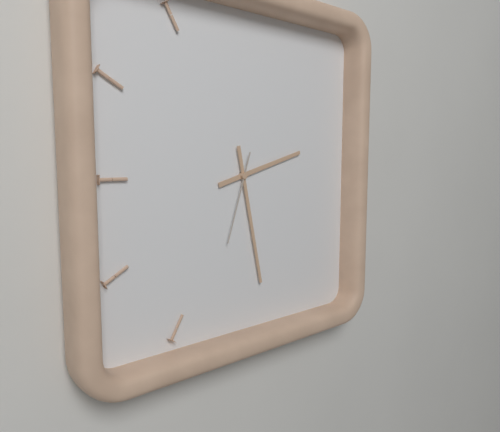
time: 2:28:33
